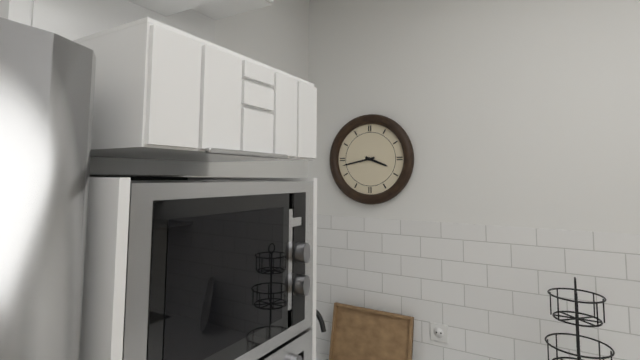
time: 3:43
